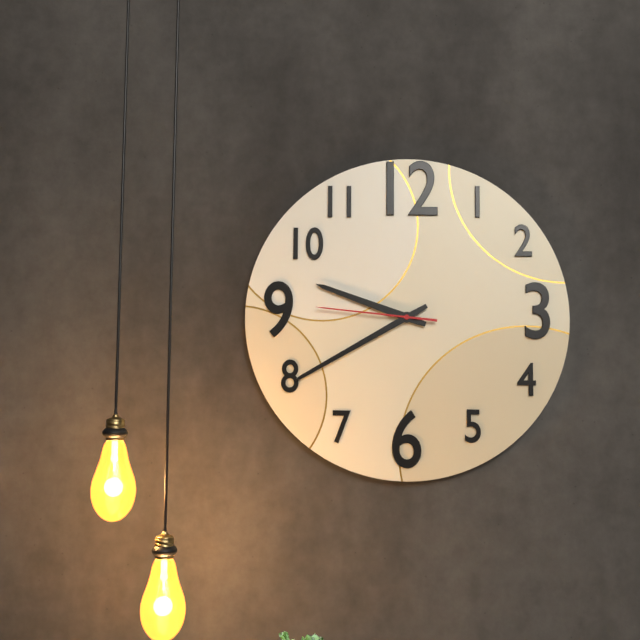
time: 9:40:46
